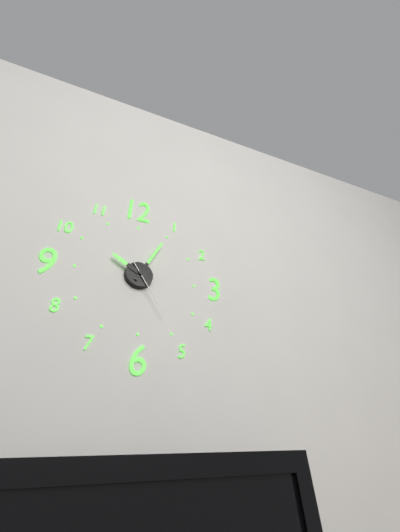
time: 10:05:25
